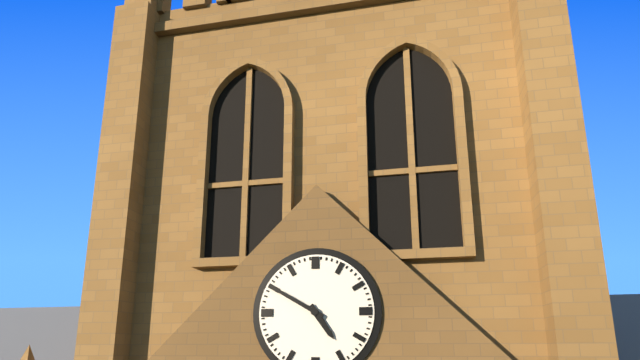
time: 4:50
